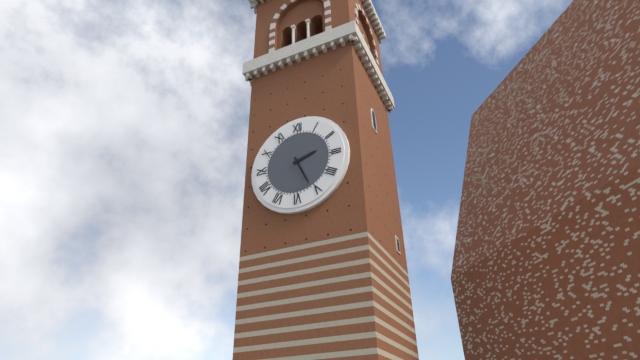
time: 2:26
